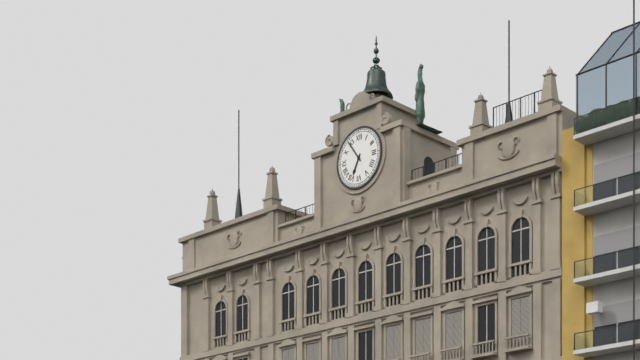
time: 6:54
